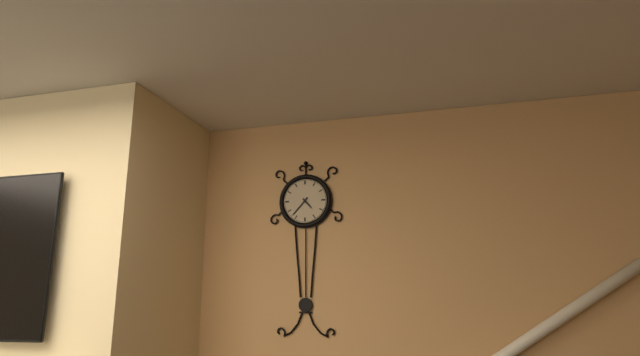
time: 4:37
